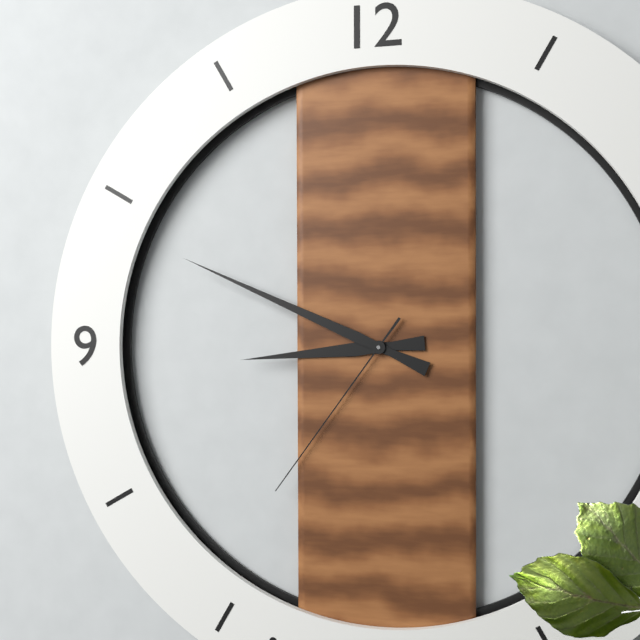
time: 8:49:36
